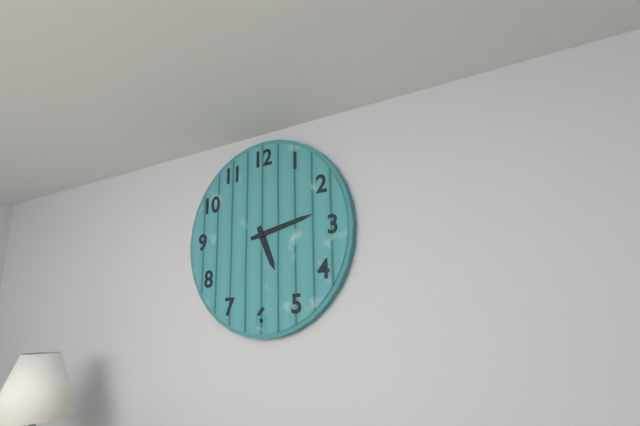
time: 5:13
